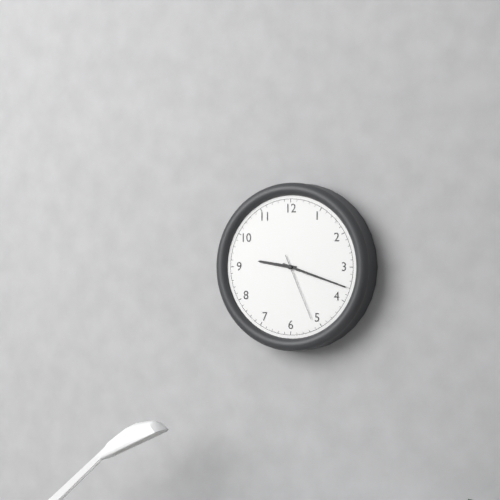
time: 9:18:26
